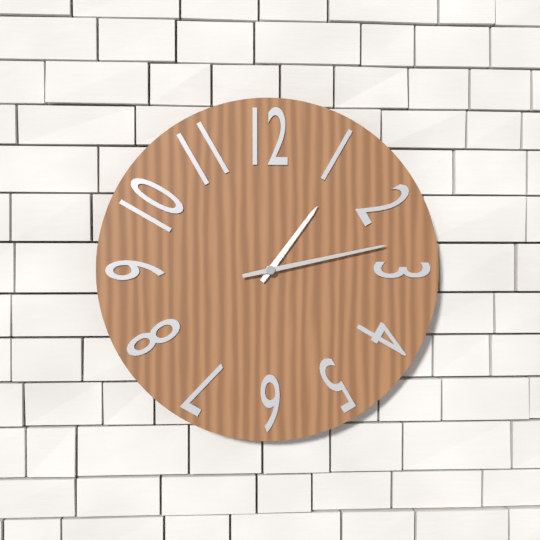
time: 1:13
